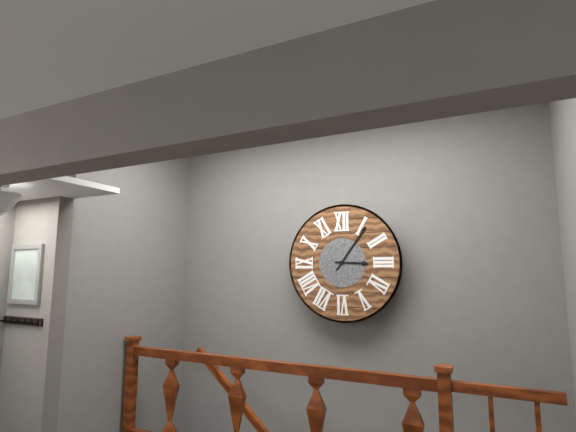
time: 3:06
